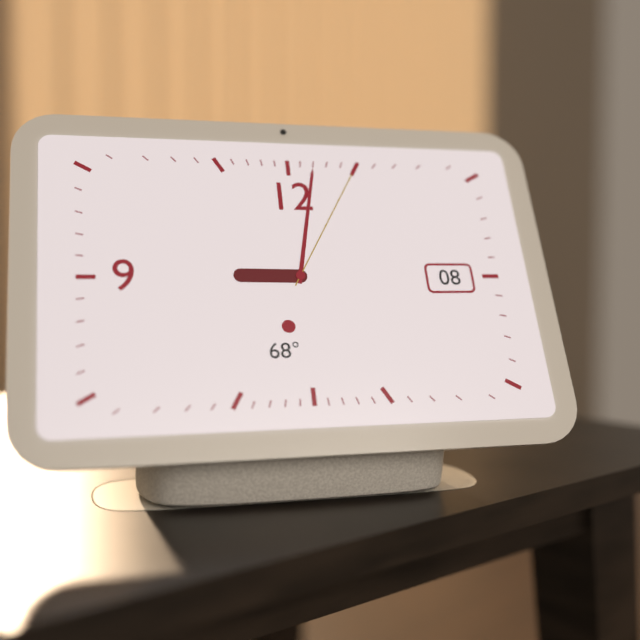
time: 9:02:05
